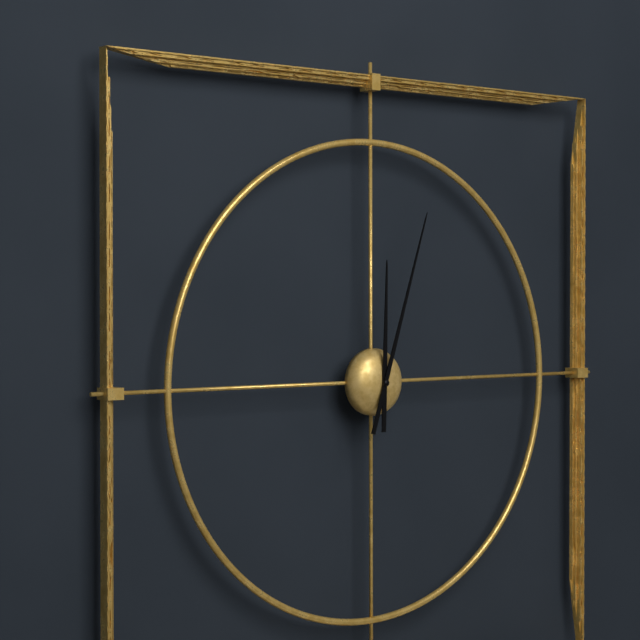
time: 12:03
